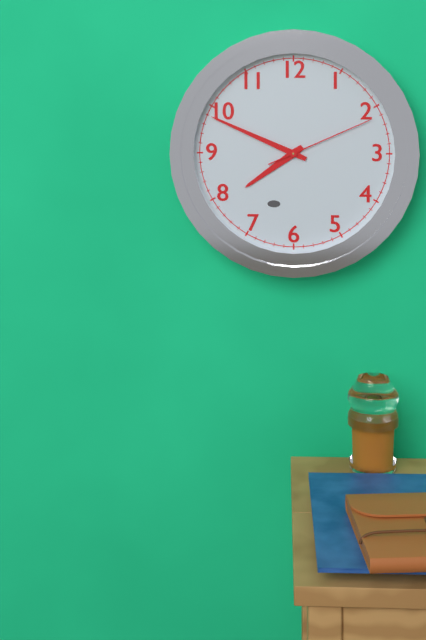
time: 7:49:11
